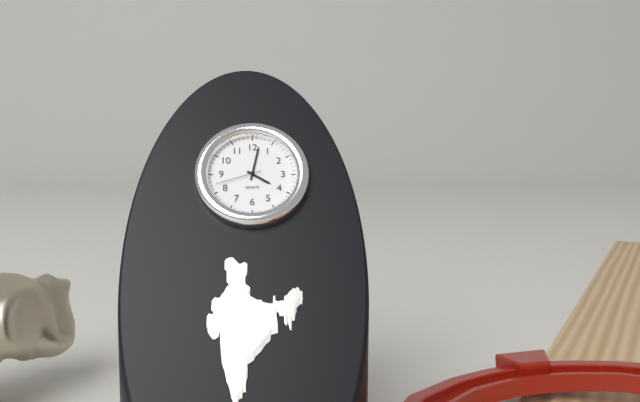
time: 4:02
